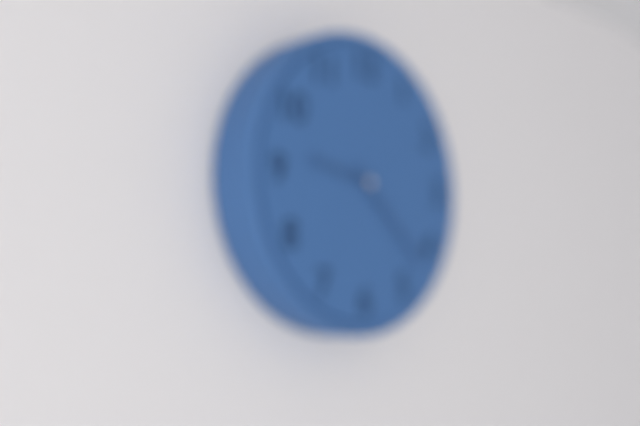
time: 9:22
